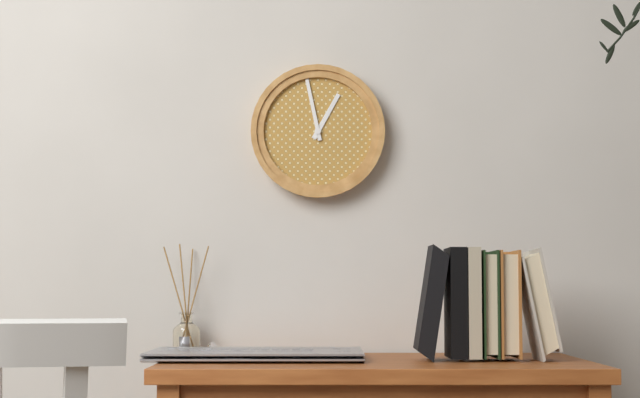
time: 12:58
